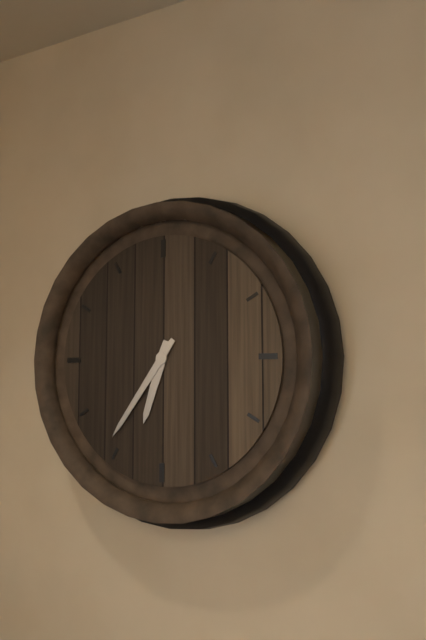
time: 6:36
